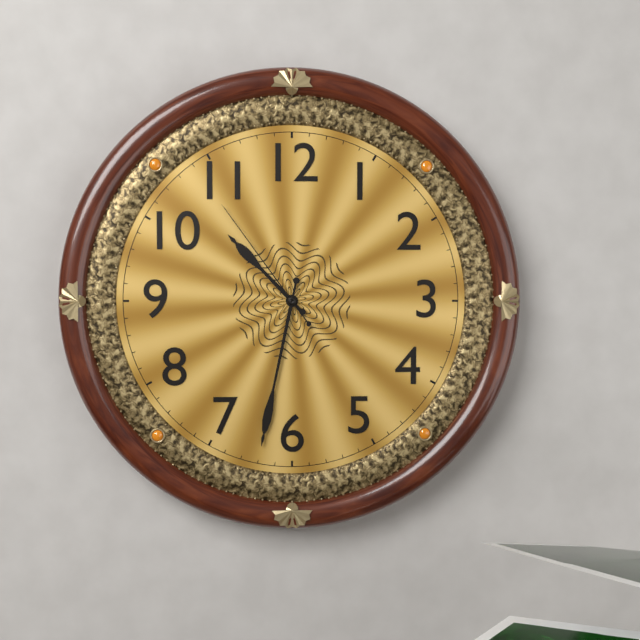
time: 10:32:54
